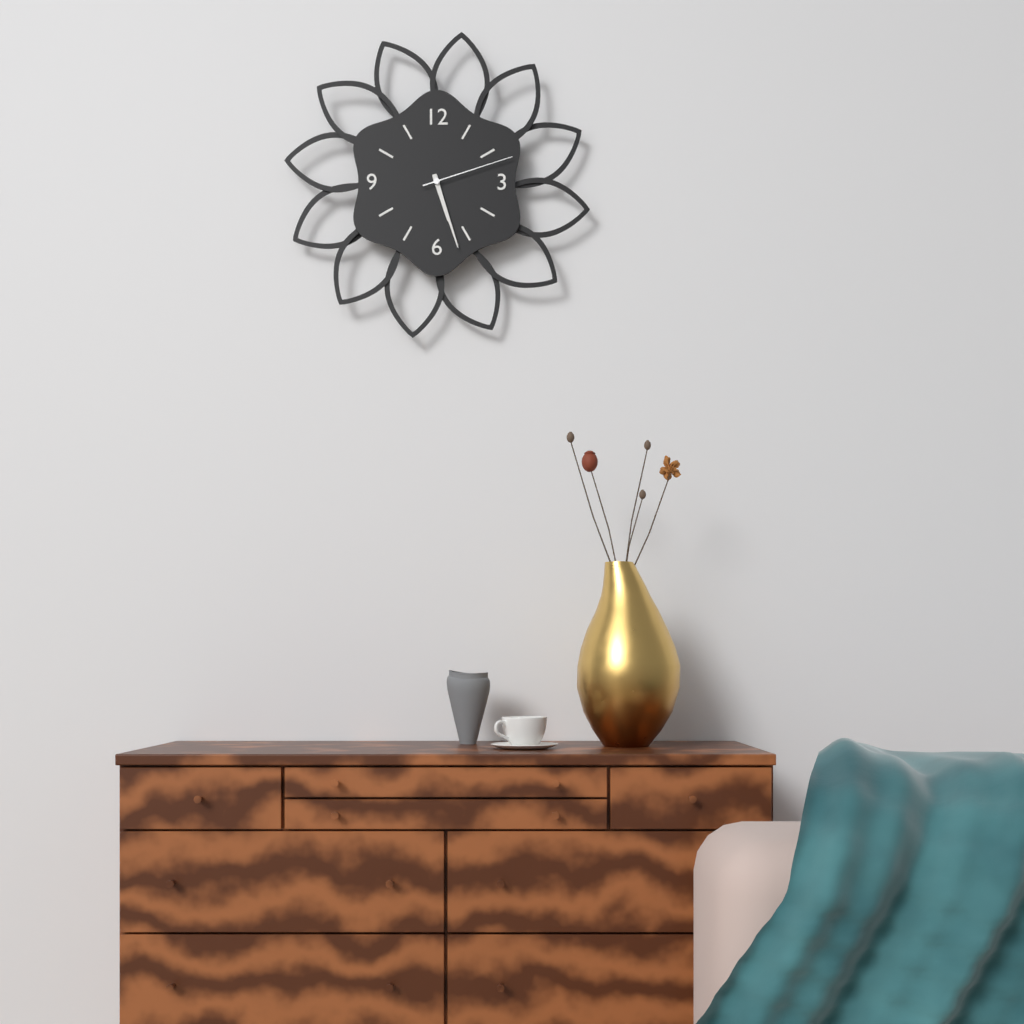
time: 5:27:12
